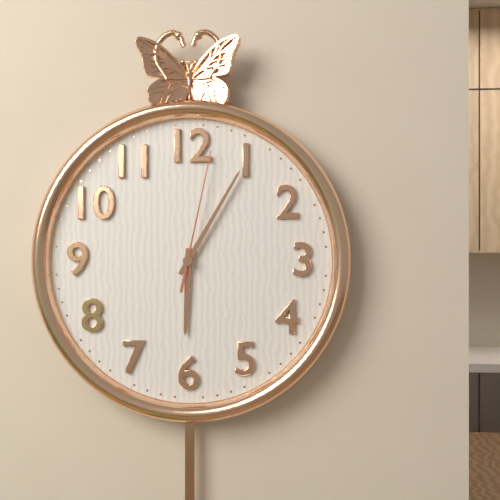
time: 6:05:02
